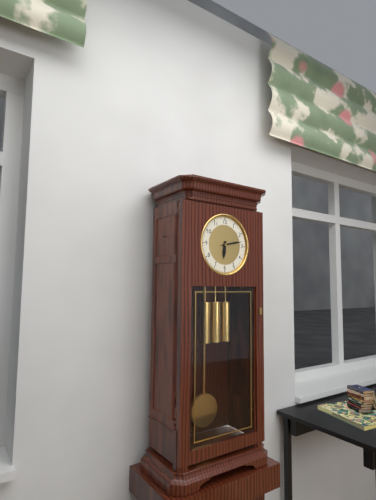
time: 6:13
